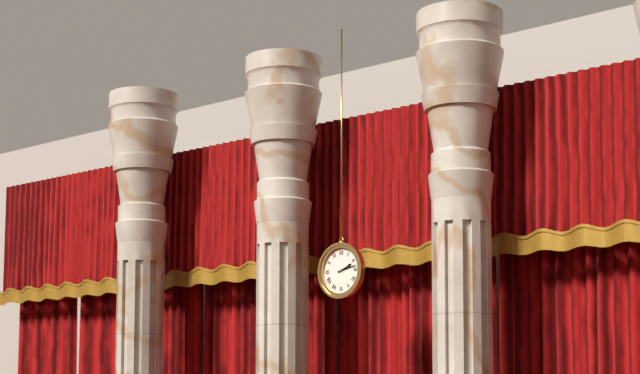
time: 2:13
